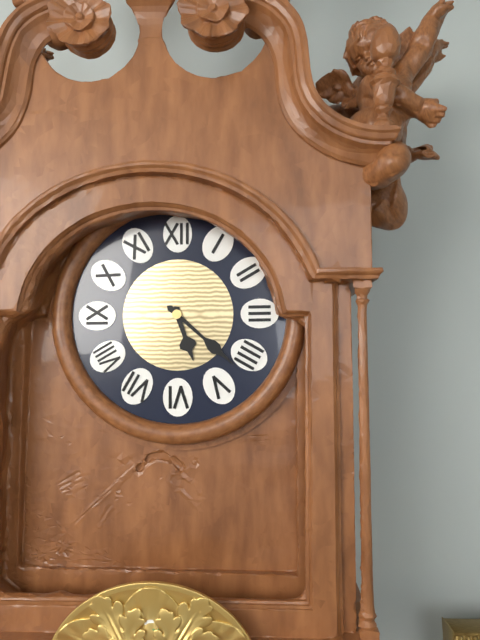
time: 5:22
